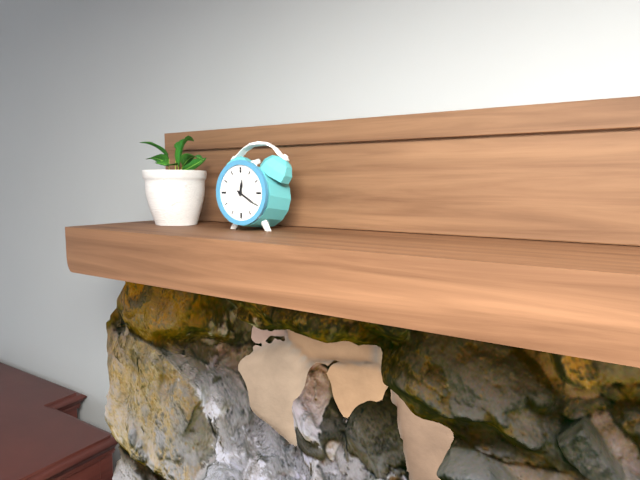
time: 12:20
